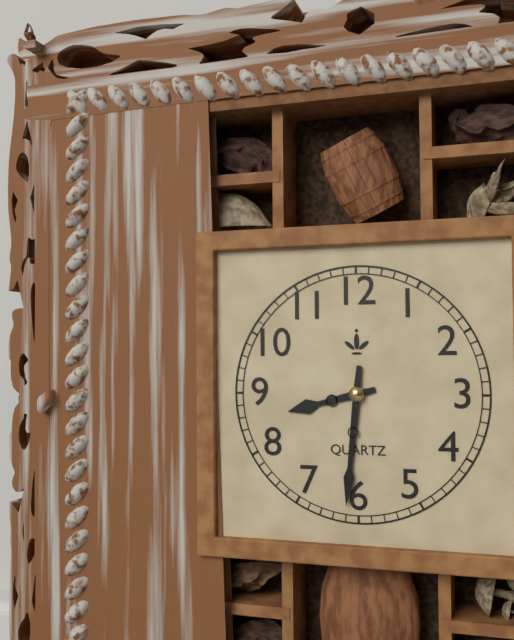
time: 8:31
